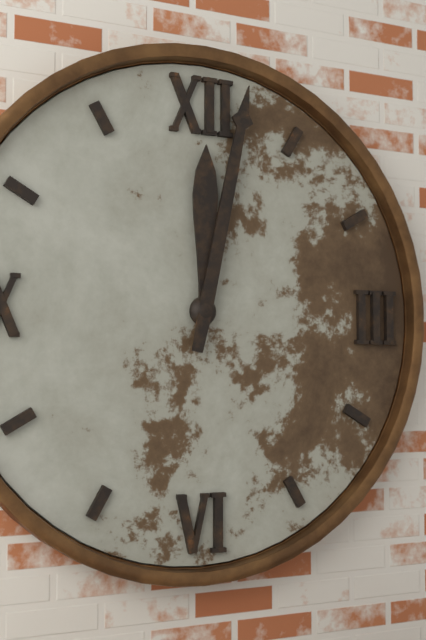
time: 12:02
